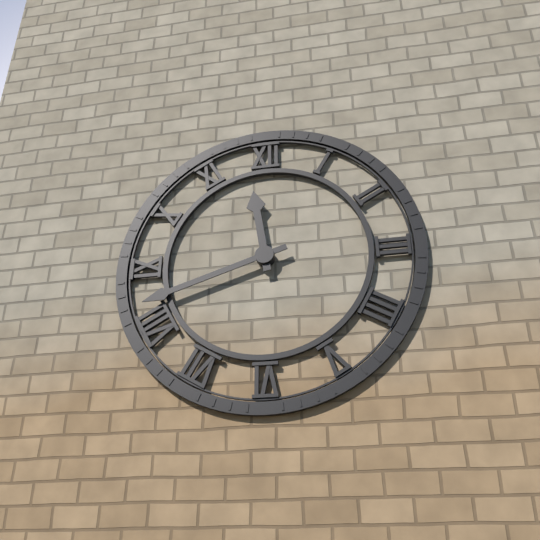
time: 11:42
